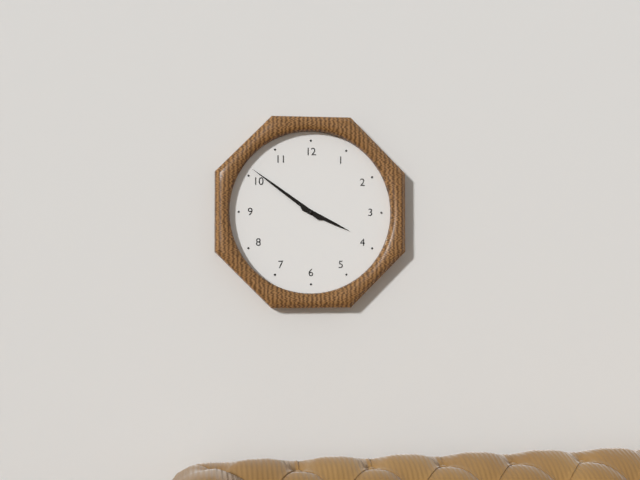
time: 3:51
